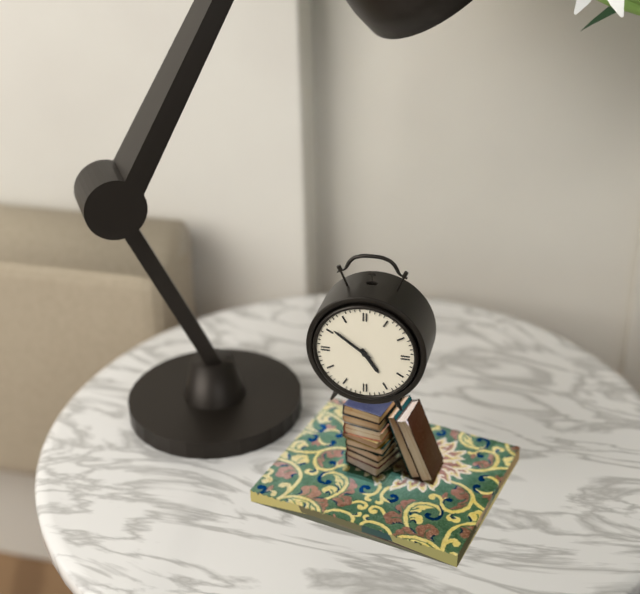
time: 4:51
